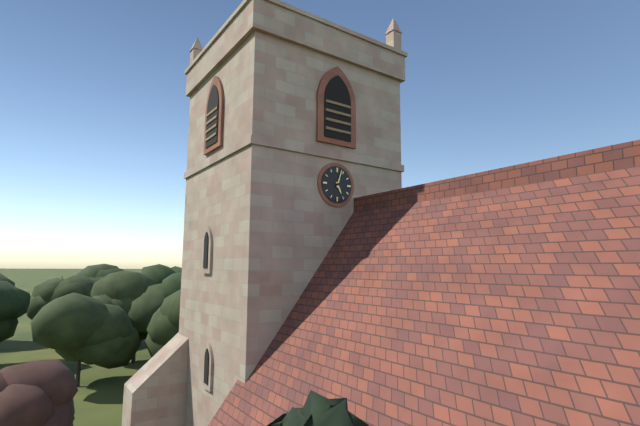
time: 5:03
